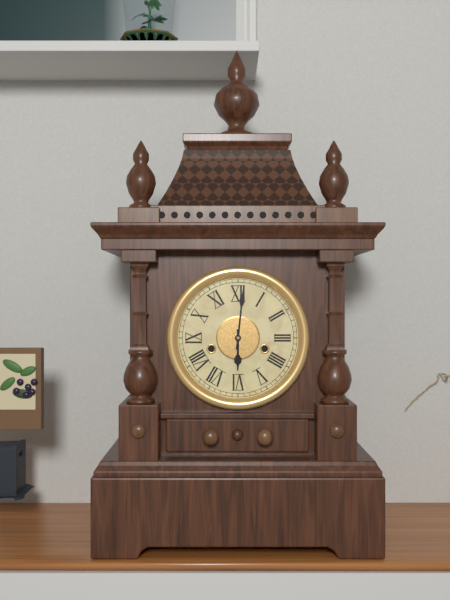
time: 6:01
